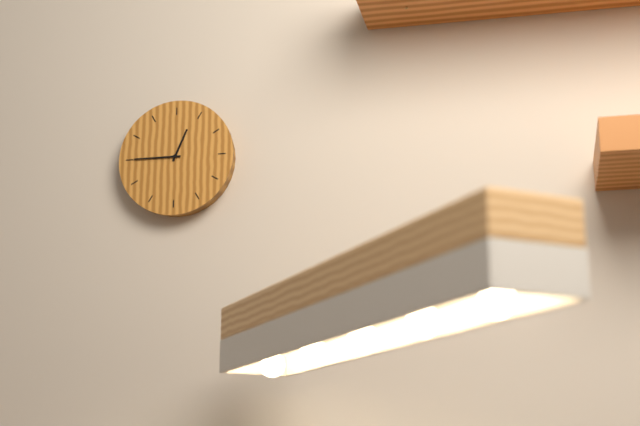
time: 12:45
